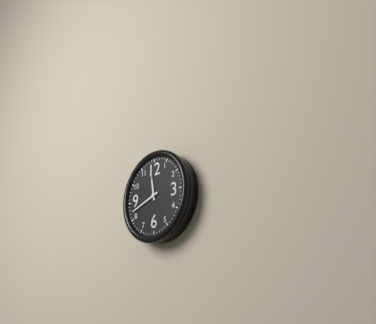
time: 11:42
